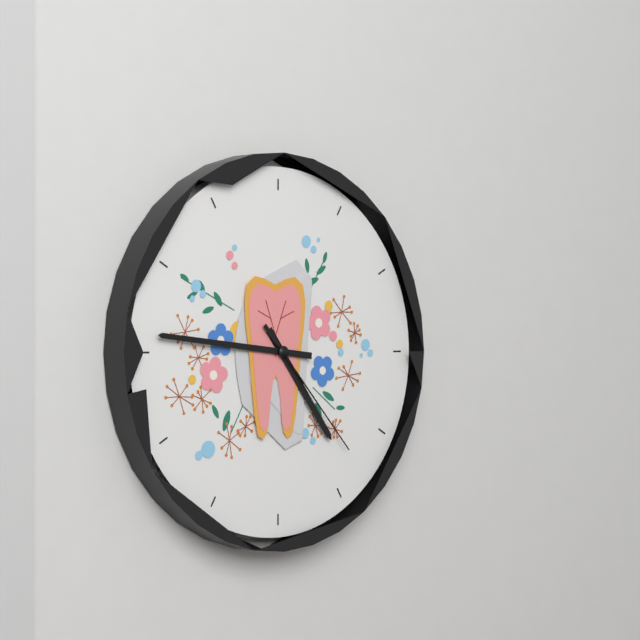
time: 4:46:23
